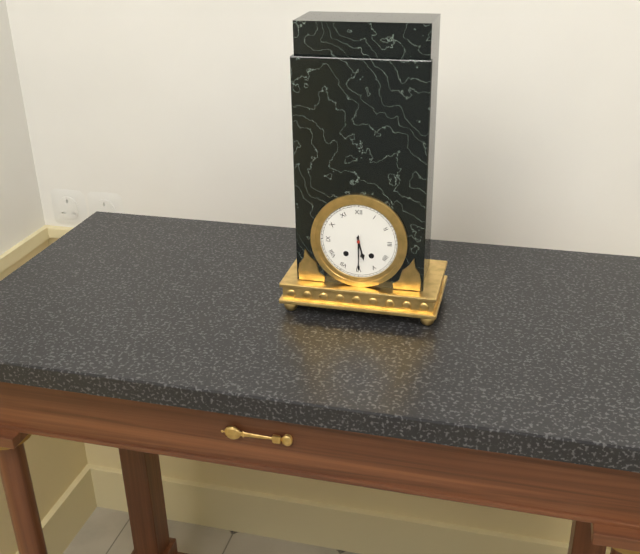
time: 5:30
